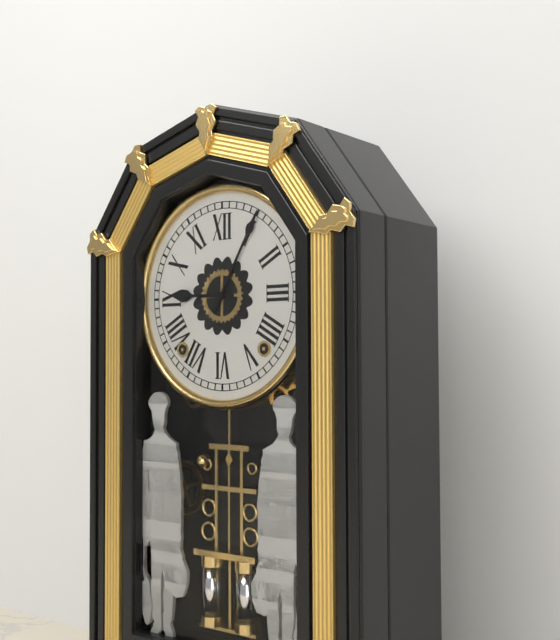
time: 9:05
